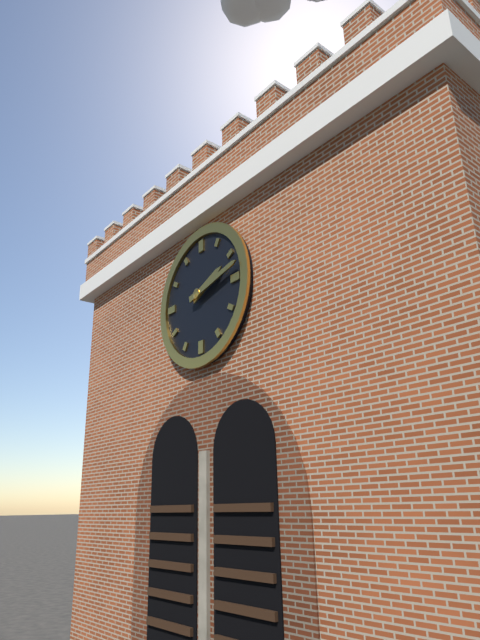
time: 2:13
